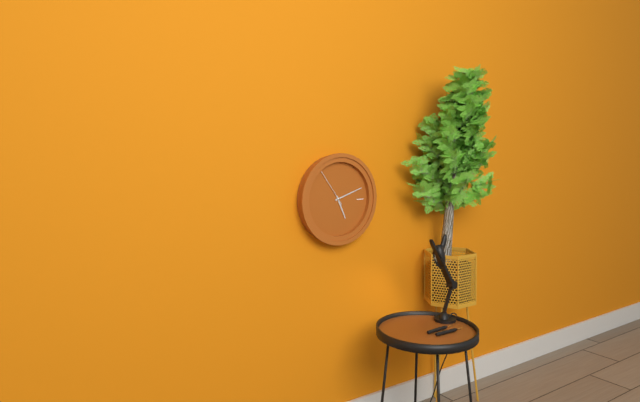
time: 5:12
